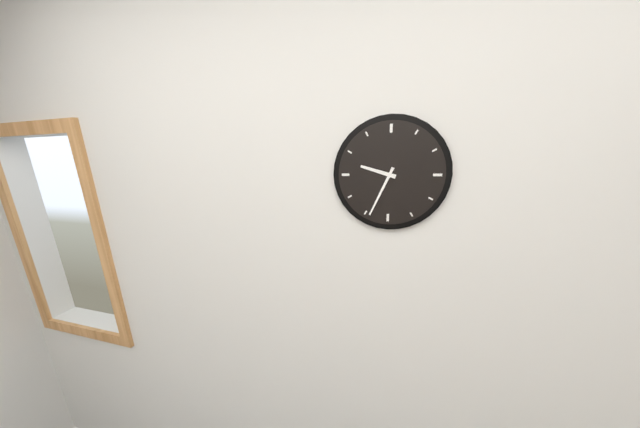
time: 9:34
